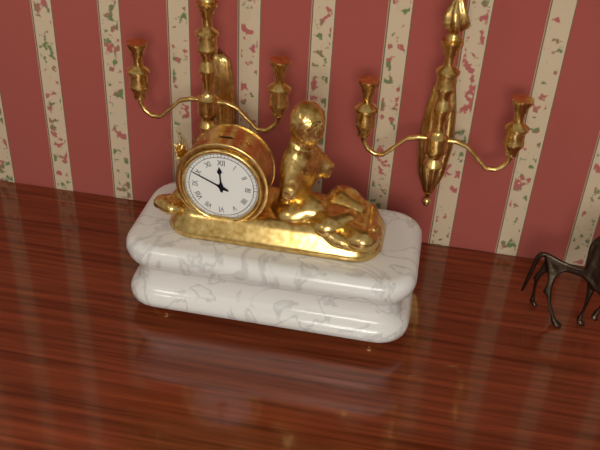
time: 11:49
